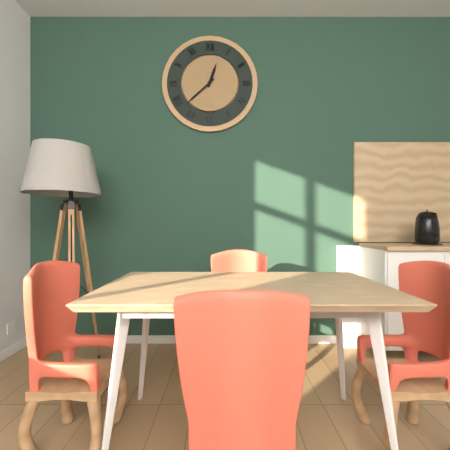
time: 12:38
